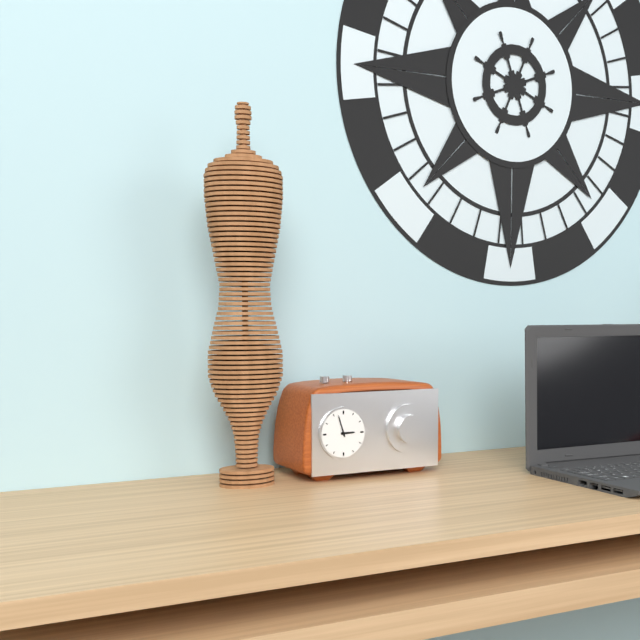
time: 2:57
